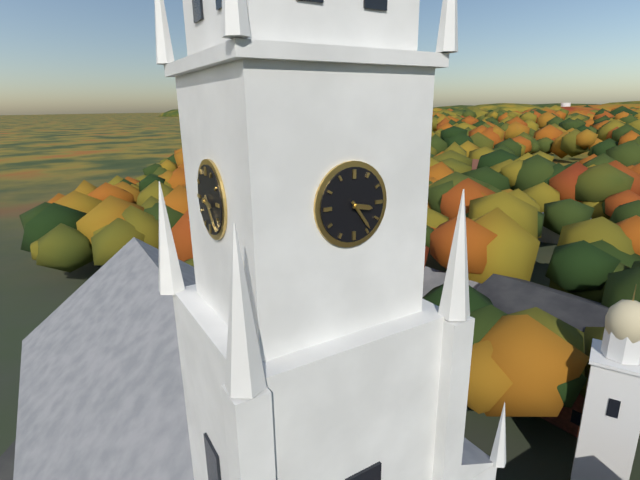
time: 3:24
